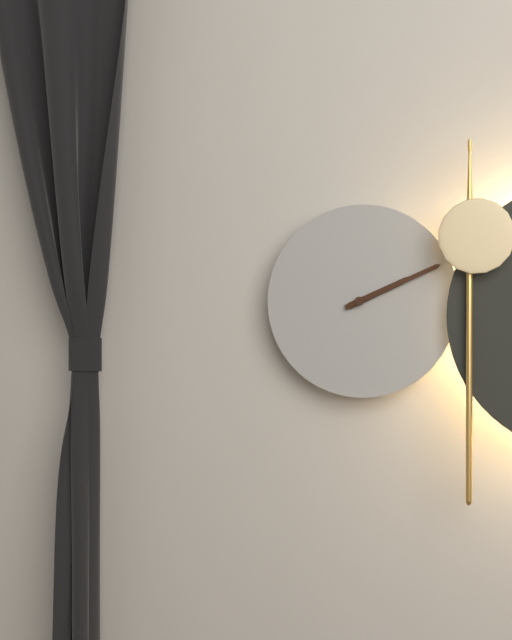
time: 2:11
